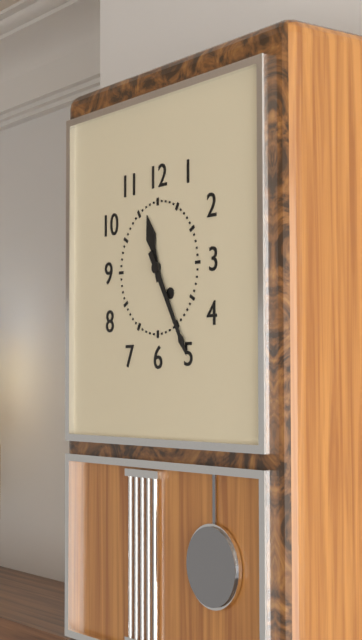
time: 11:25
